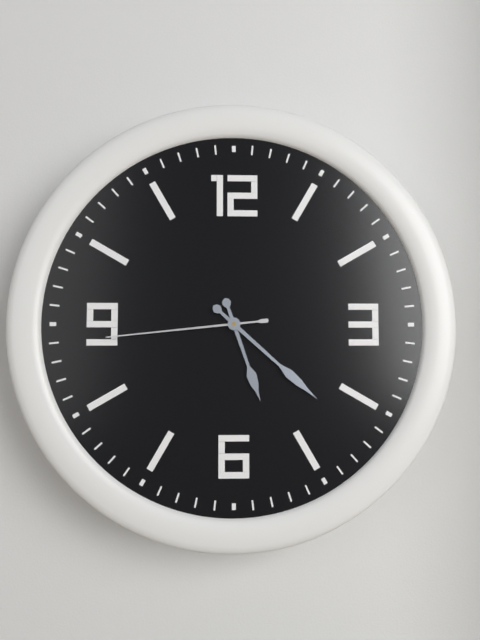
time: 5:22:44
